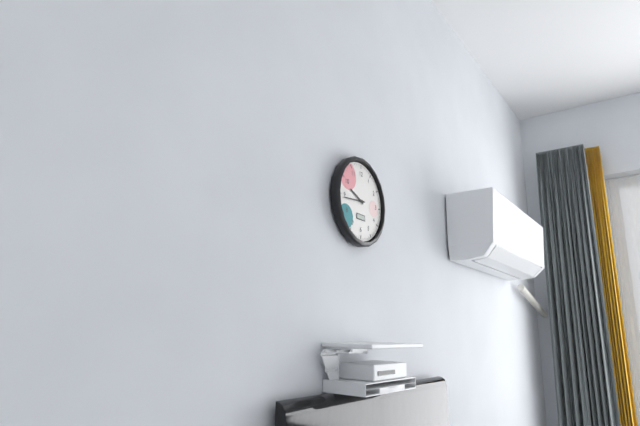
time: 9:44
